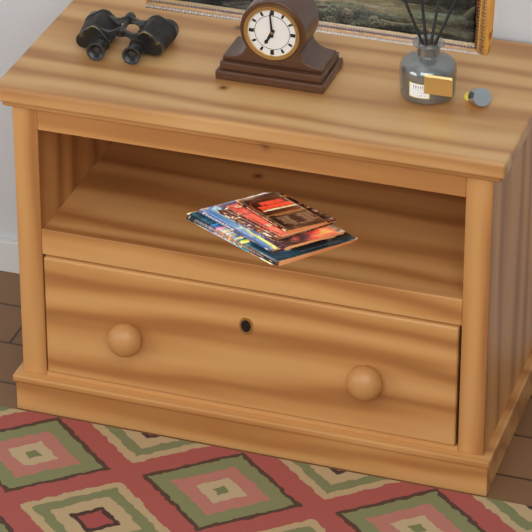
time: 6:59
